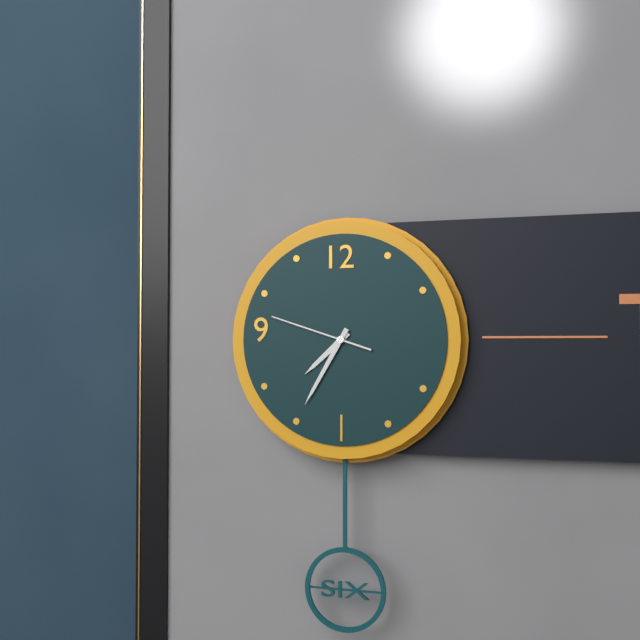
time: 7:35:48
